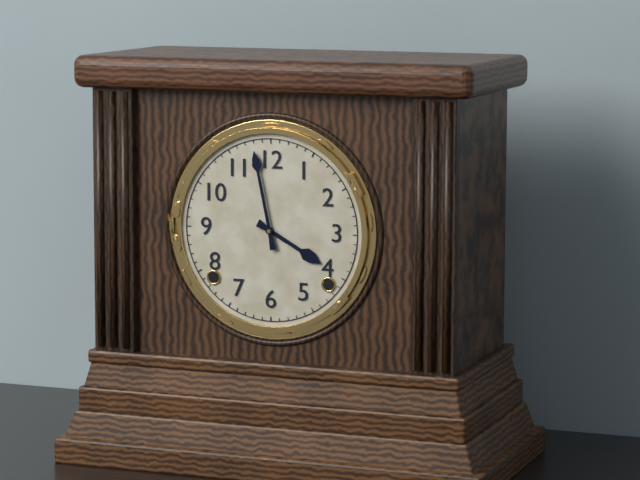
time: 3:58
